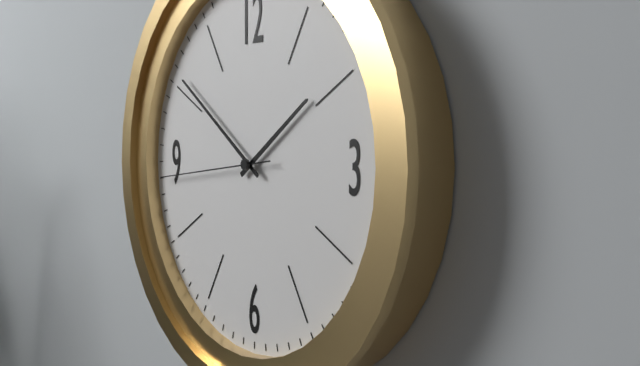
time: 1:51:44
